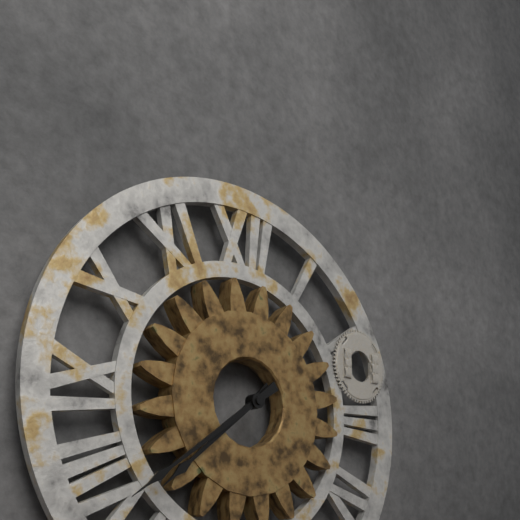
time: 7:39
